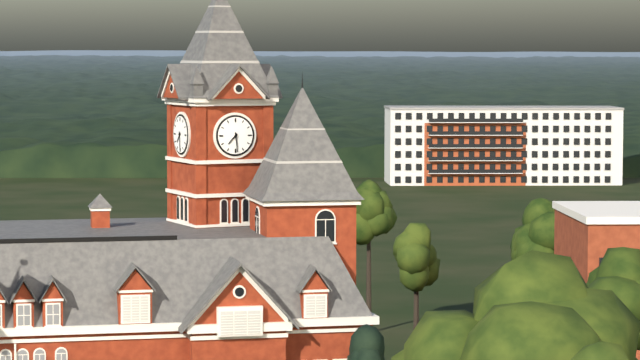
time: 7:29
